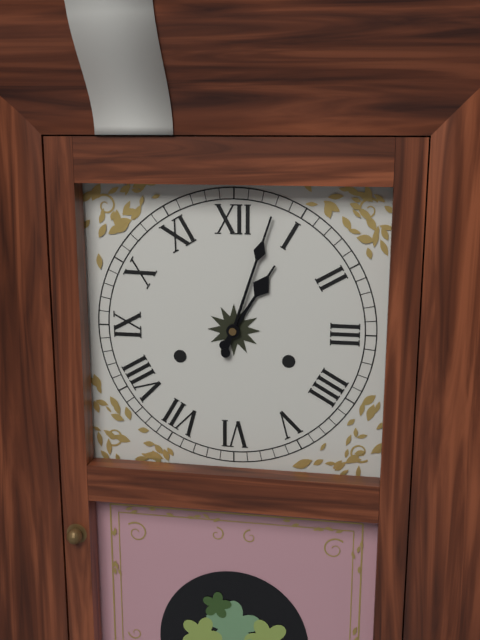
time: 1:03
